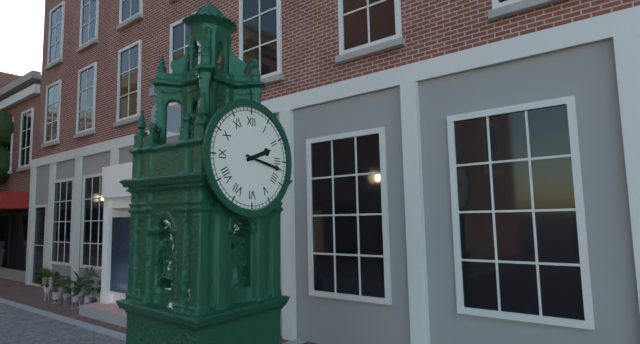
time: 2:17
